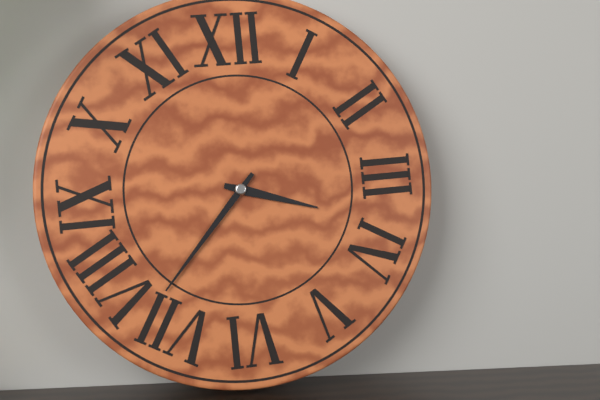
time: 3:37
